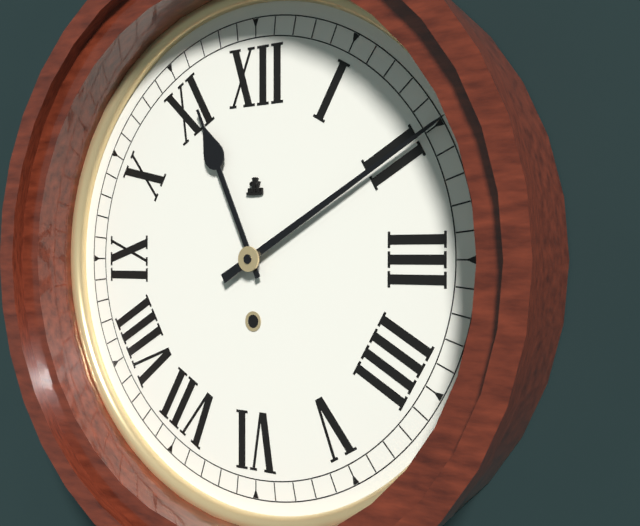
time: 11:10
